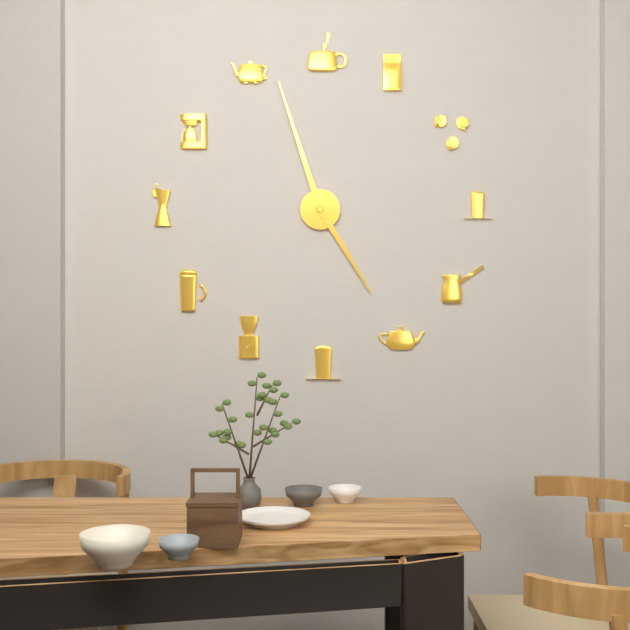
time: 4:57
